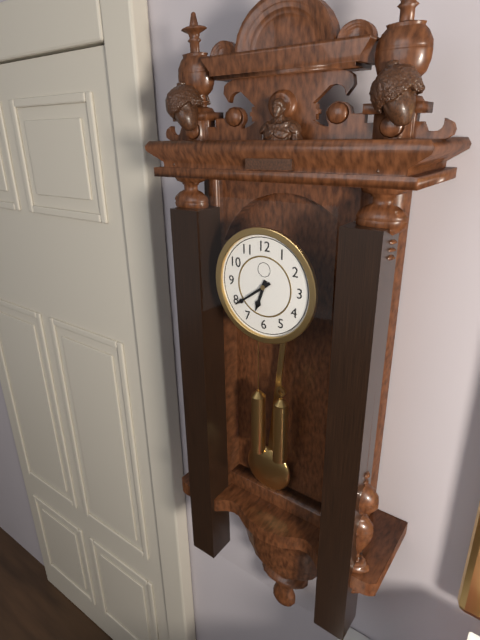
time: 6:39
